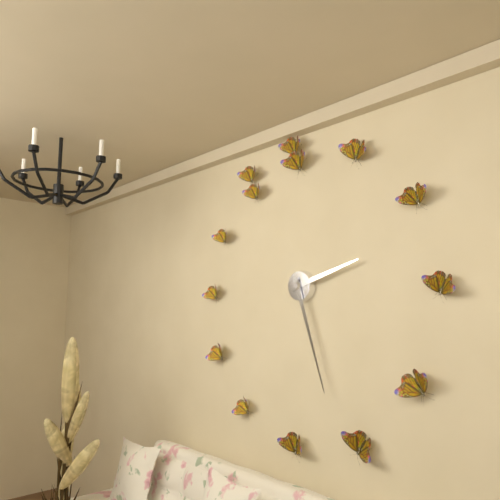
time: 2:27
